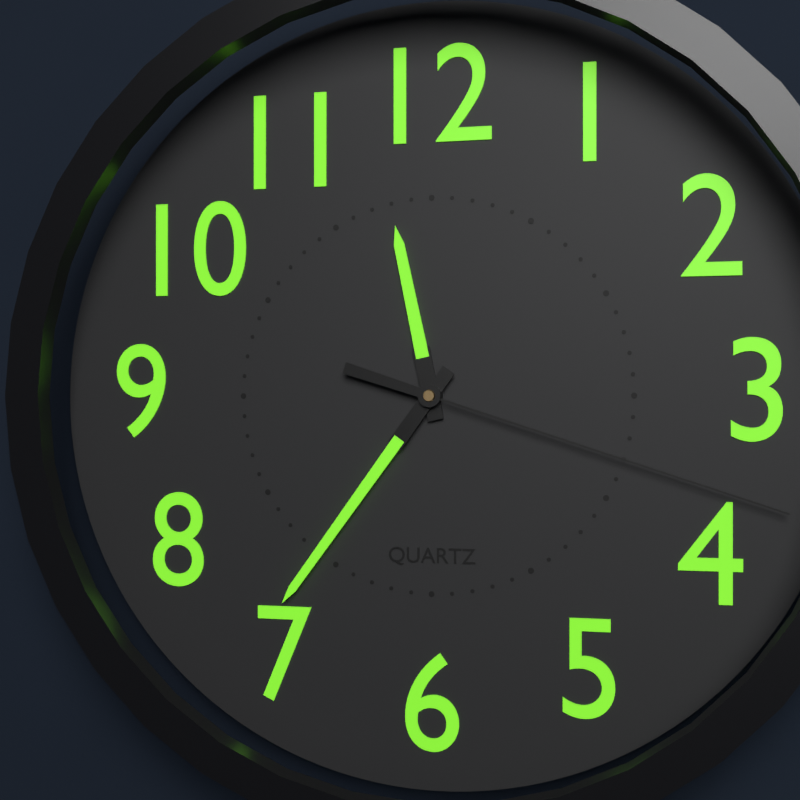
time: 11:36:18
